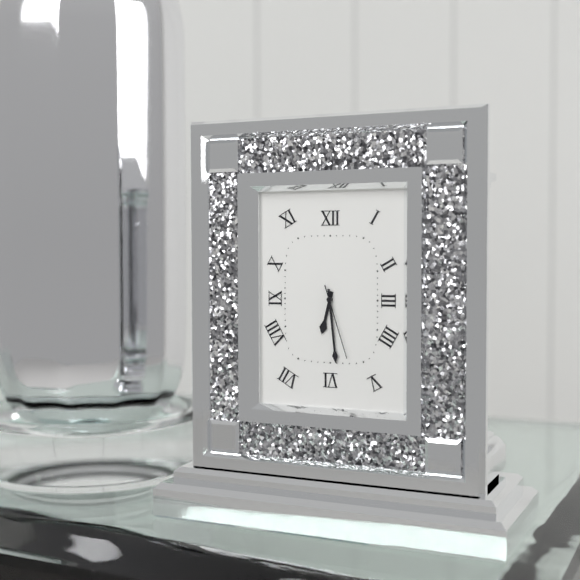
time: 6:29:27
